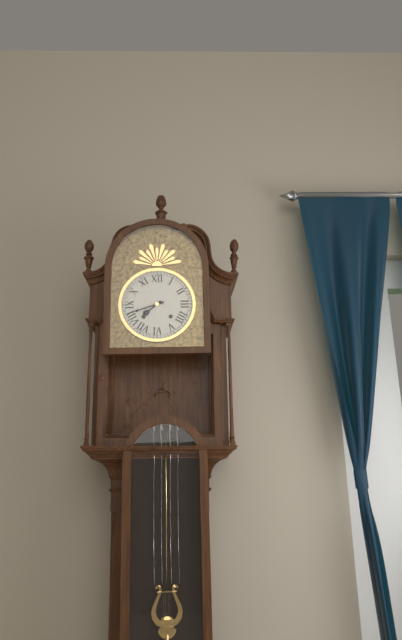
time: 7:42
